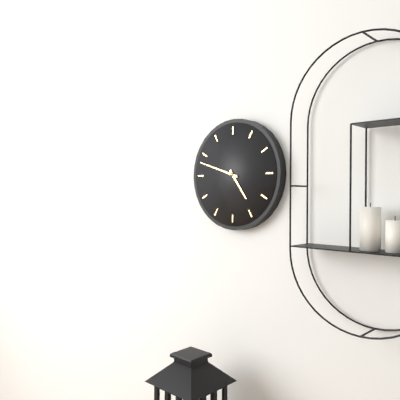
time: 4:48
